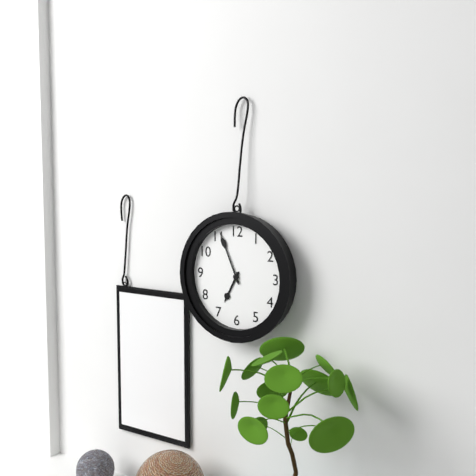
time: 6:56
